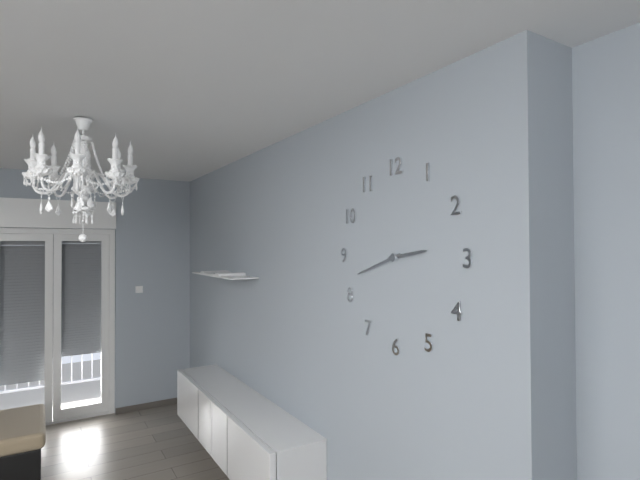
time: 2:42
